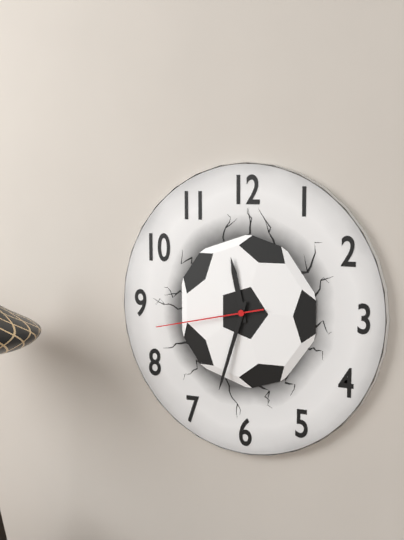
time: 11:33:43
